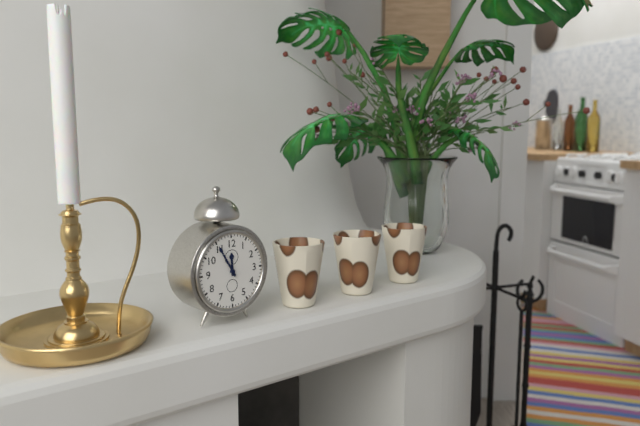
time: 11:55
